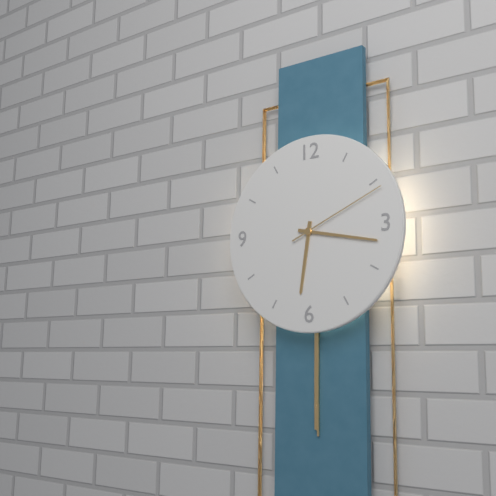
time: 6:17:11
